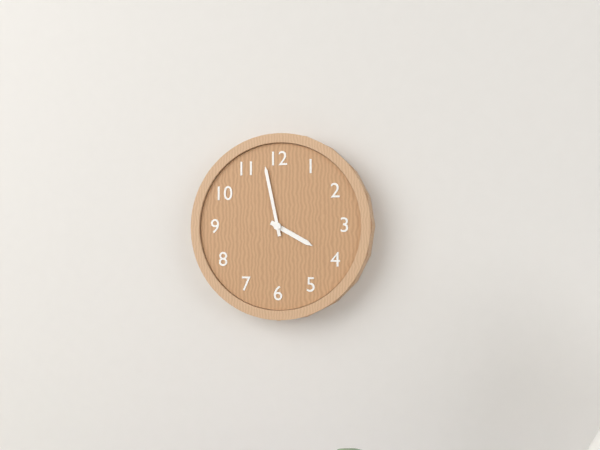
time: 3:58
